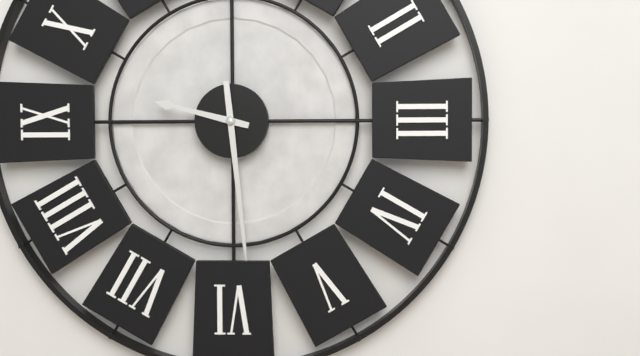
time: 9:29
